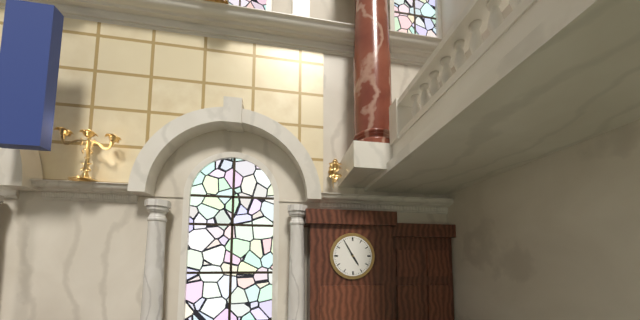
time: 4:55
